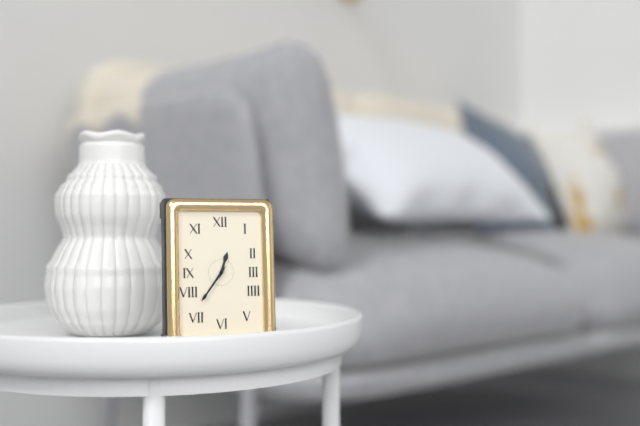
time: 12:36
